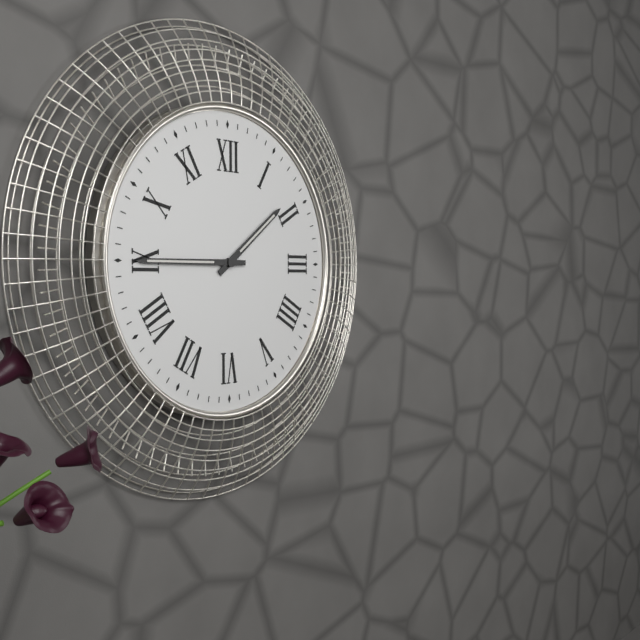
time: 1:45
